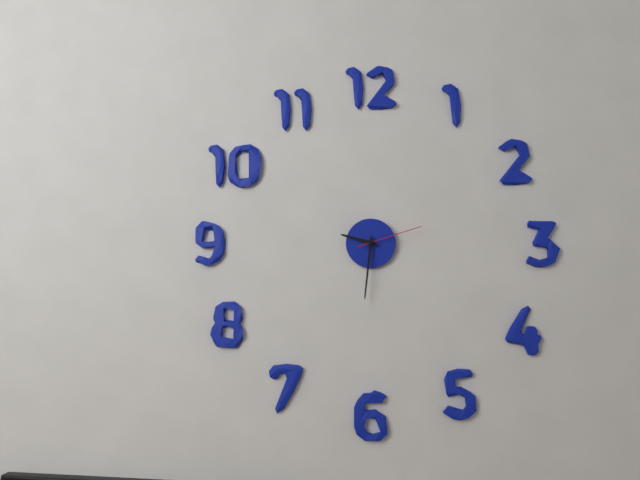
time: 9:31:12
